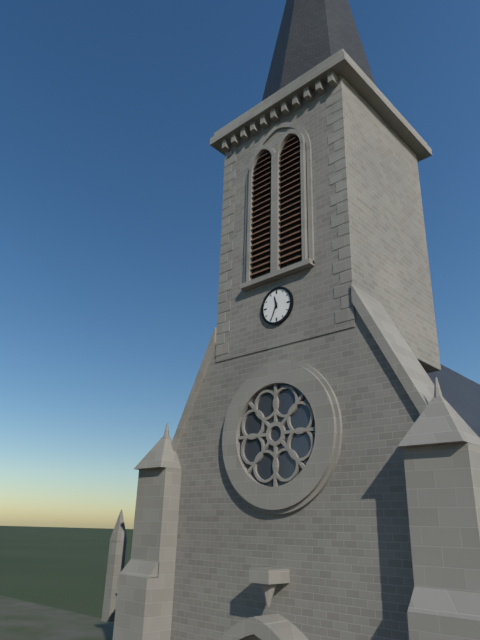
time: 11:34
